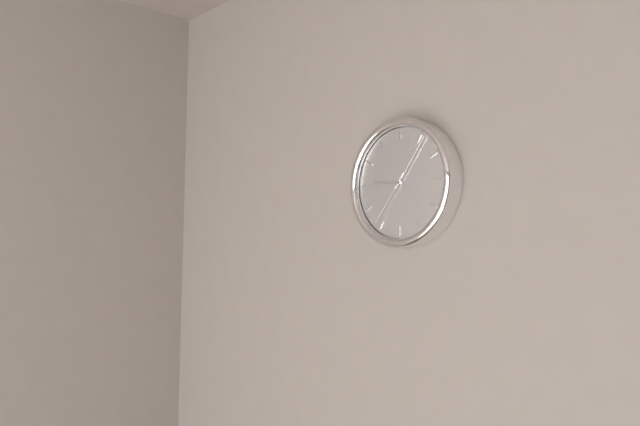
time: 9:06:36
